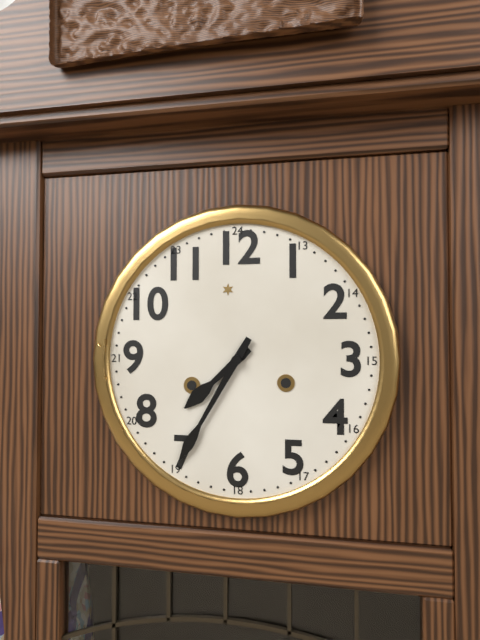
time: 7:35
